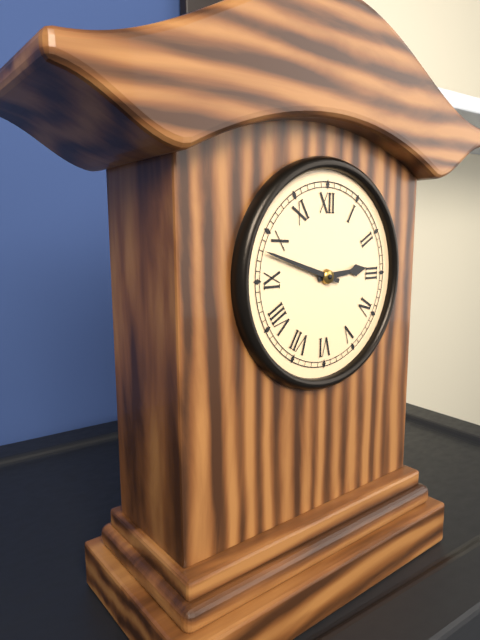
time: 2:48
